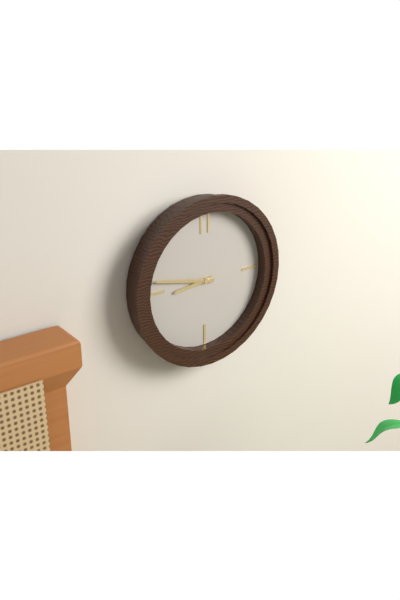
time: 8:47
